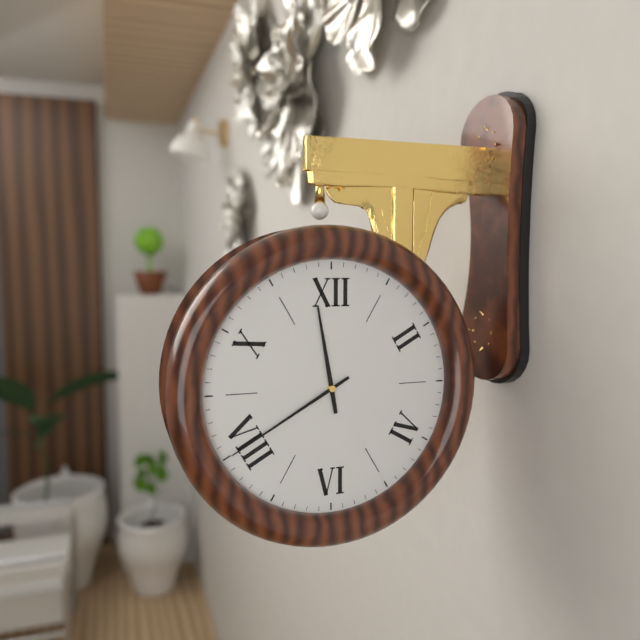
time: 11:40
